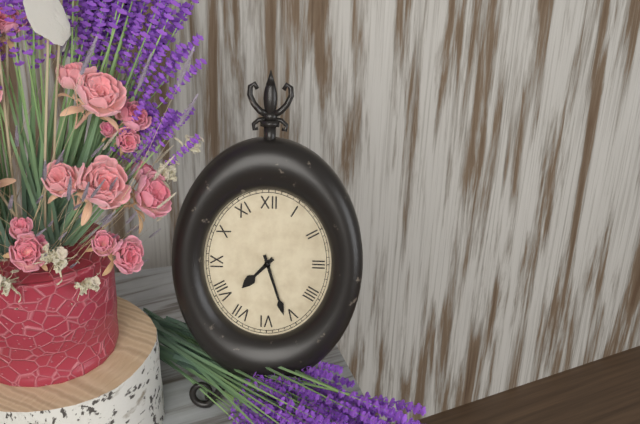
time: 7:27
